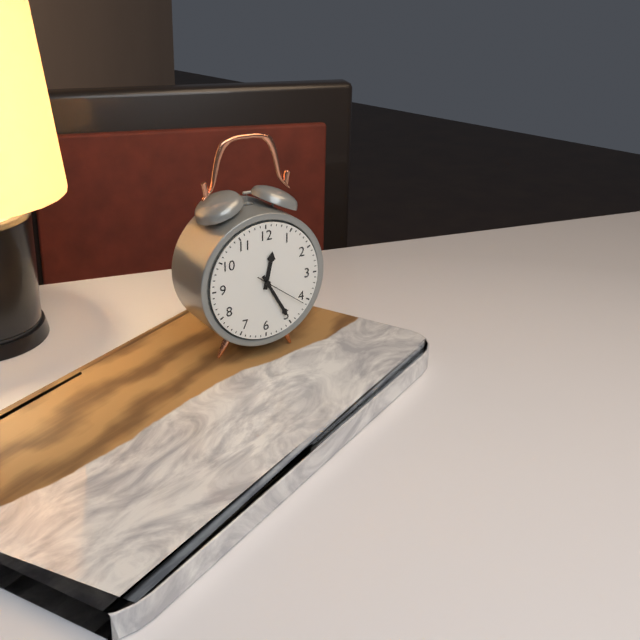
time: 12:25:21
